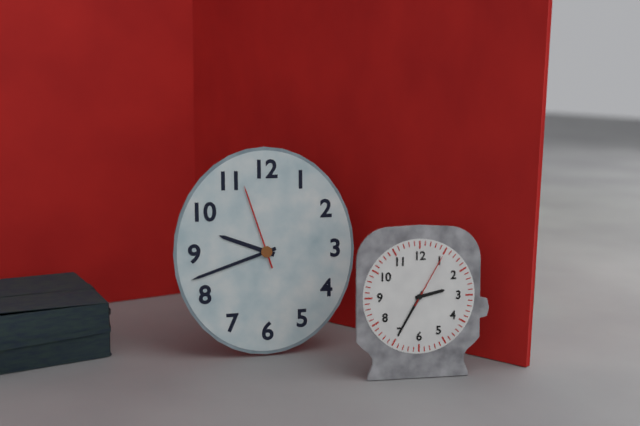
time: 9:42:57
